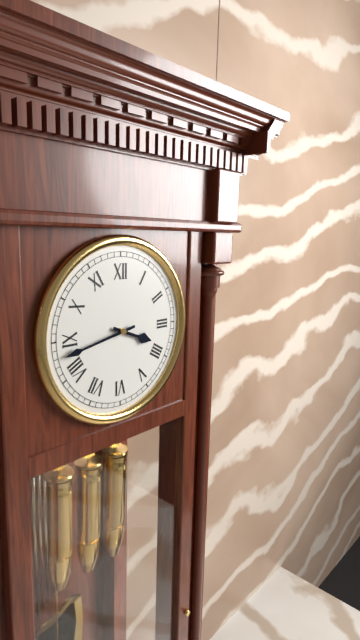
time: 3:43
